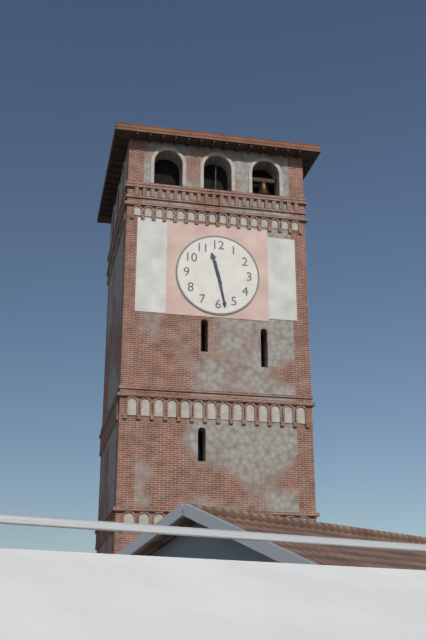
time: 11:28
